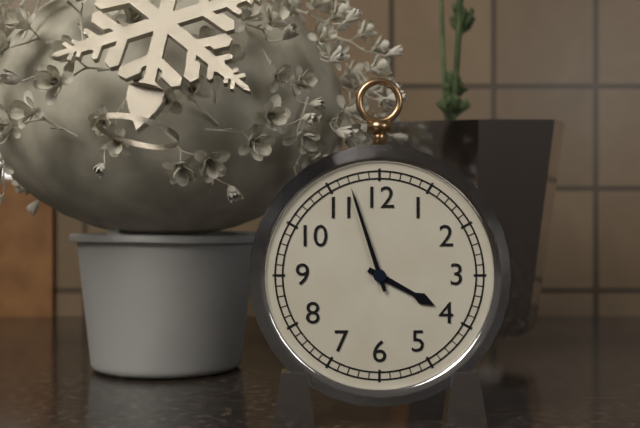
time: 3:57
